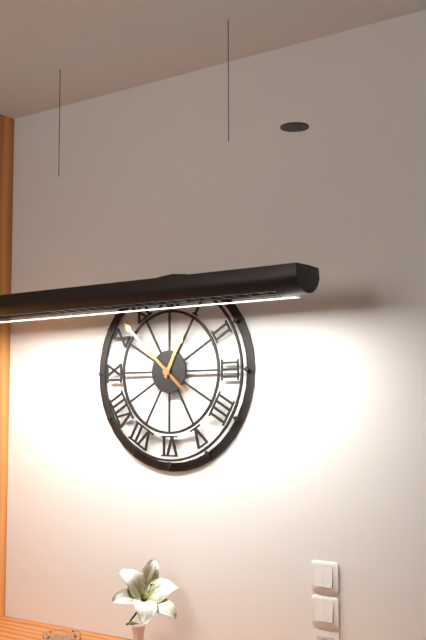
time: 12:52
